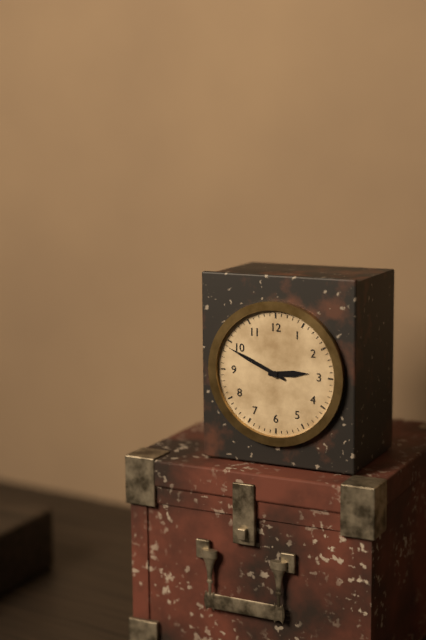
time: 2:49
